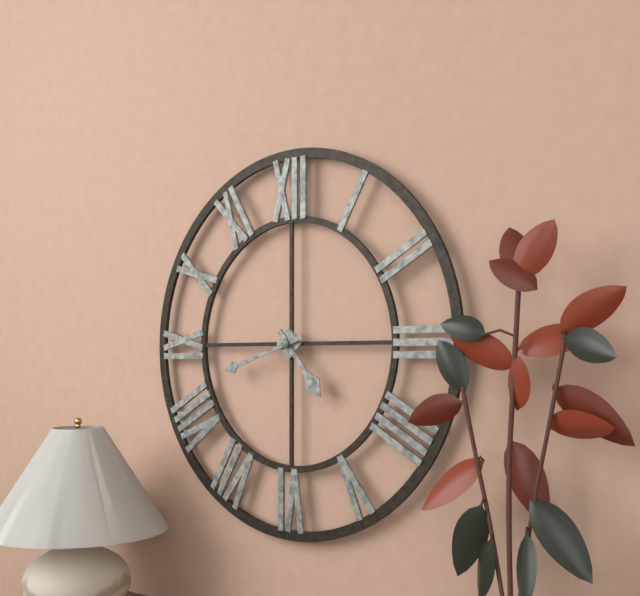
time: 4:42
